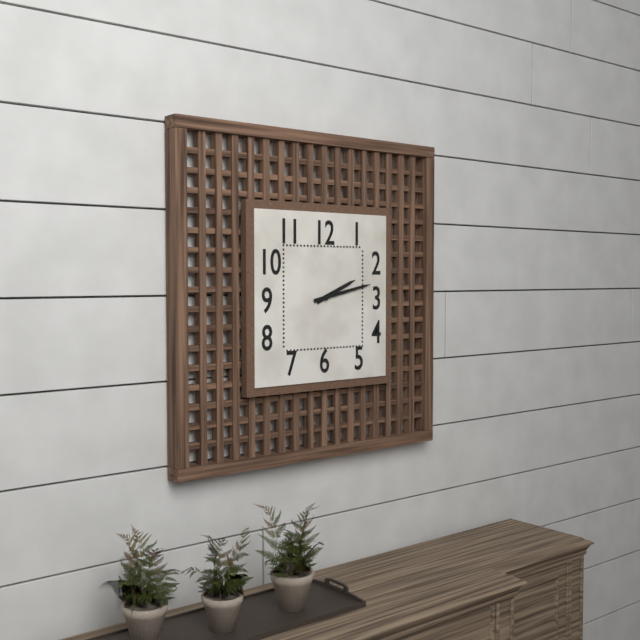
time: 2:13
